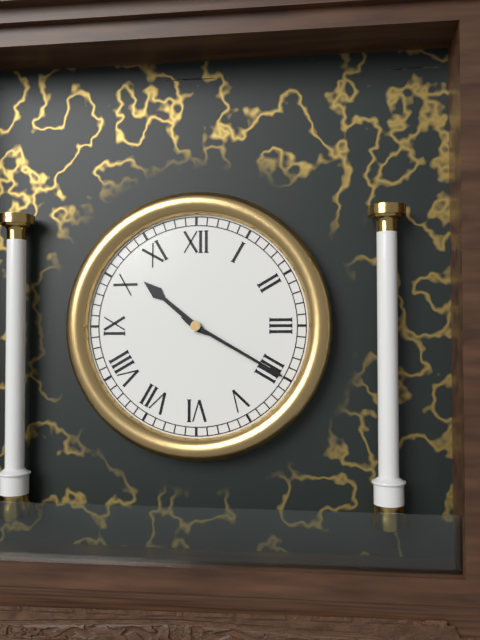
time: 10:20
